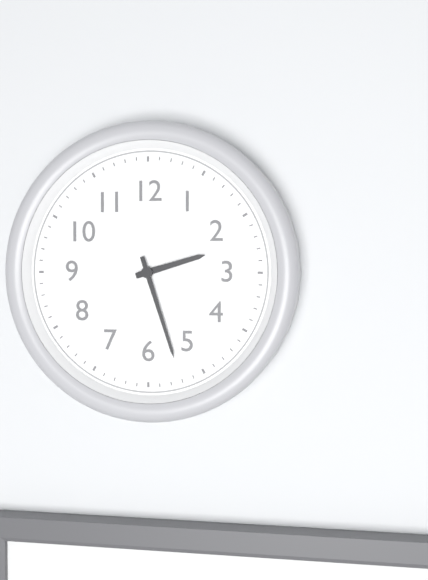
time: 2:27
